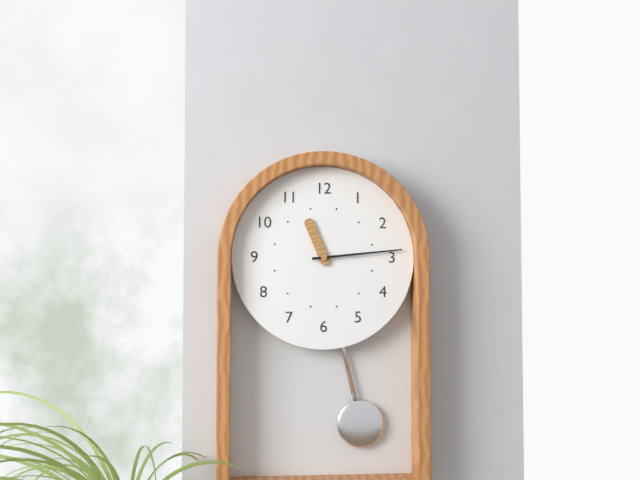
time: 11:14
